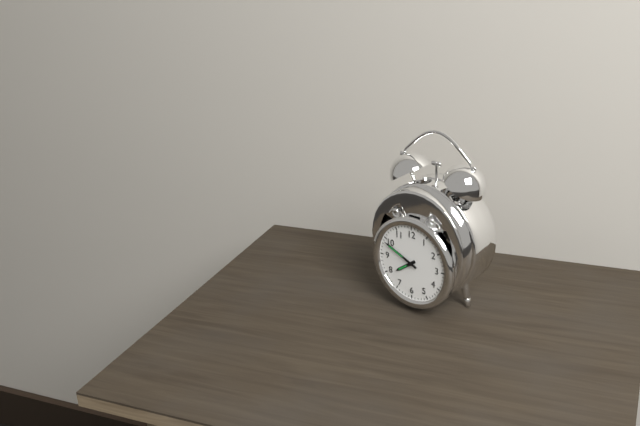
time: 7:49
